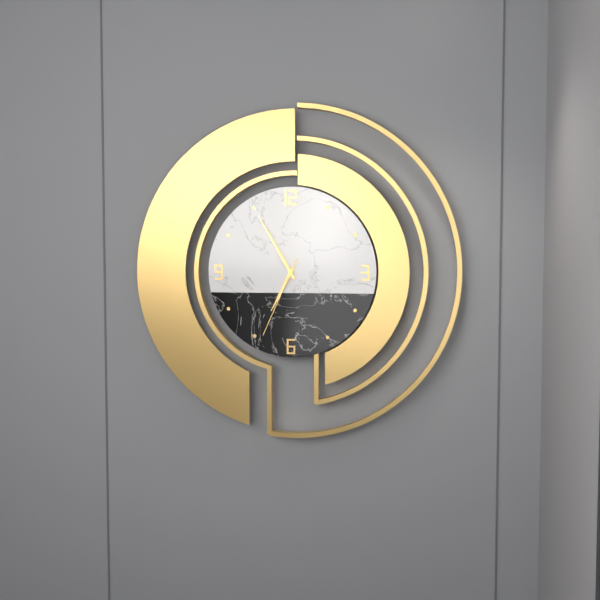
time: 6:55:34
